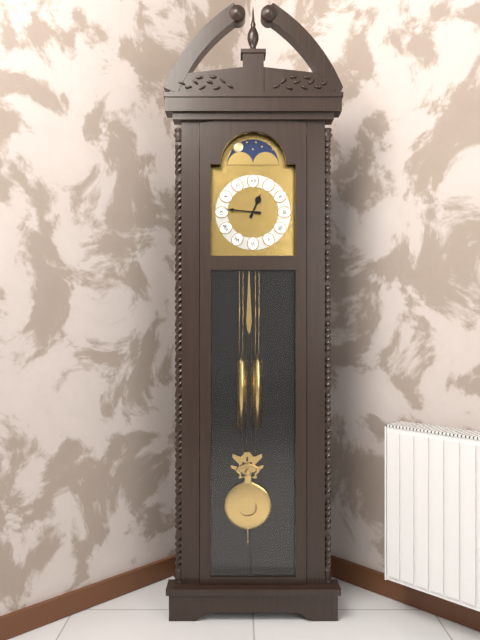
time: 12:46
